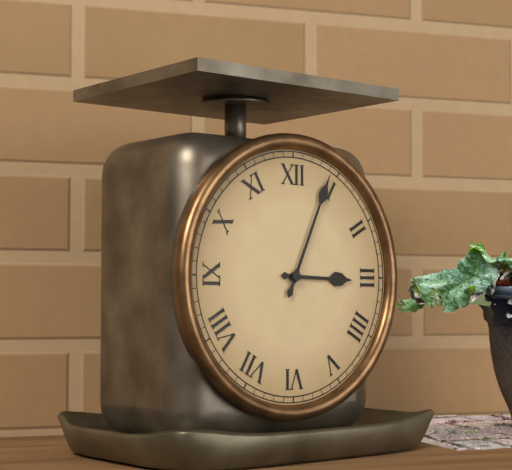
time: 3:04
